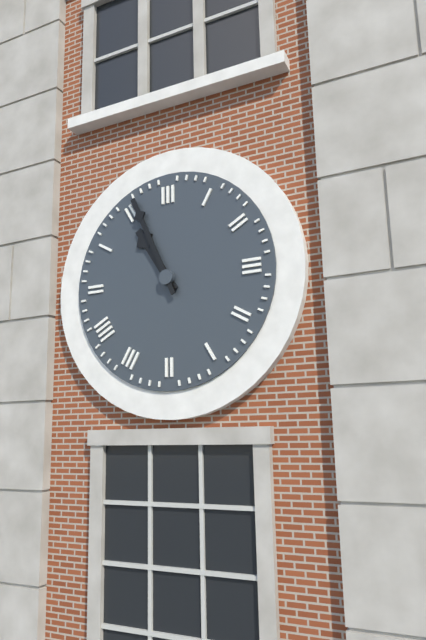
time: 10:56
